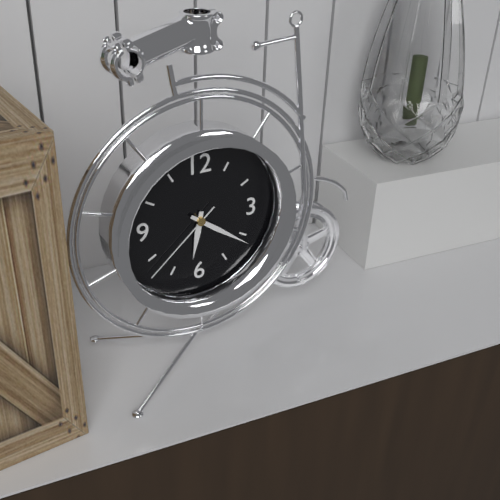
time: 6:21:38
